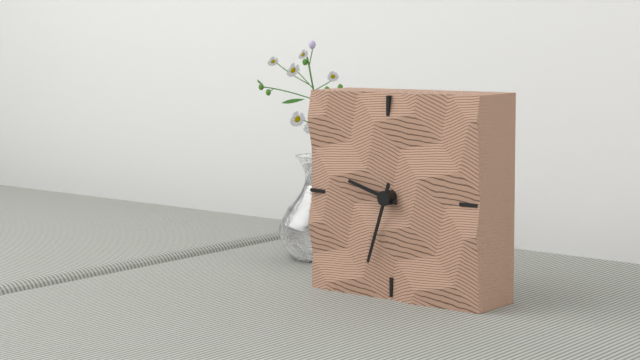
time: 9:33
